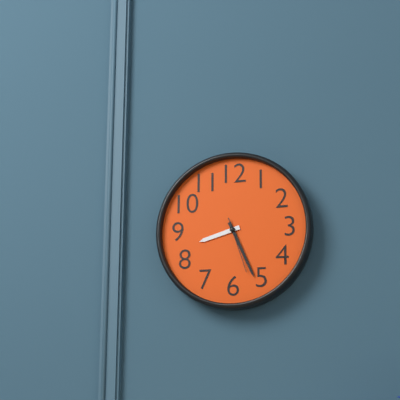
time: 8:26:27
